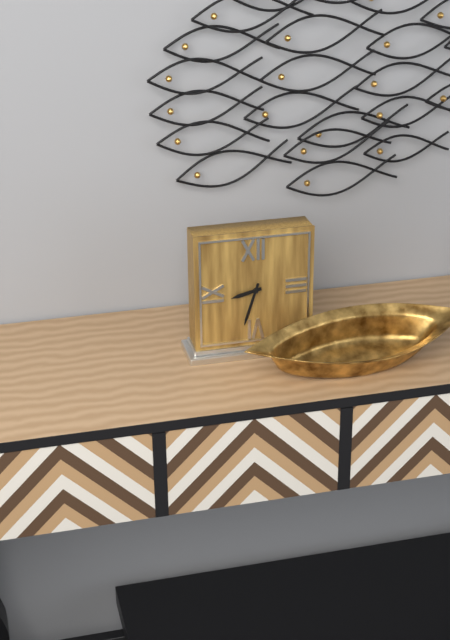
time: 8:33
